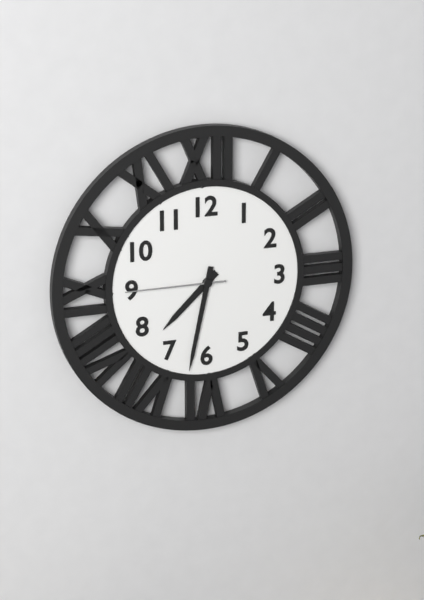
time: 7:32:45
